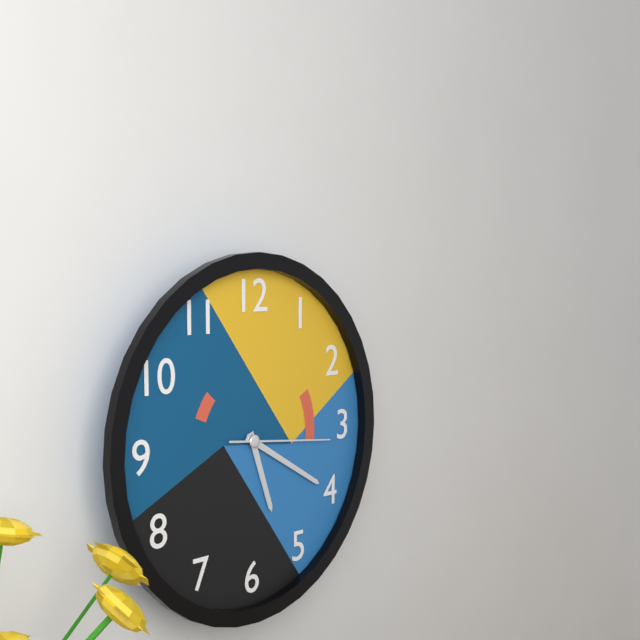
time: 5:20:16
